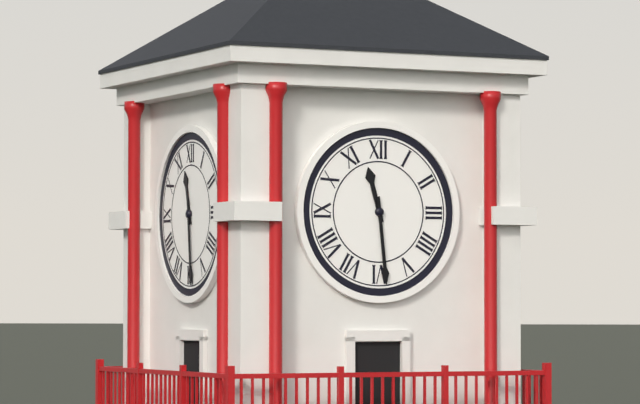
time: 11:29
